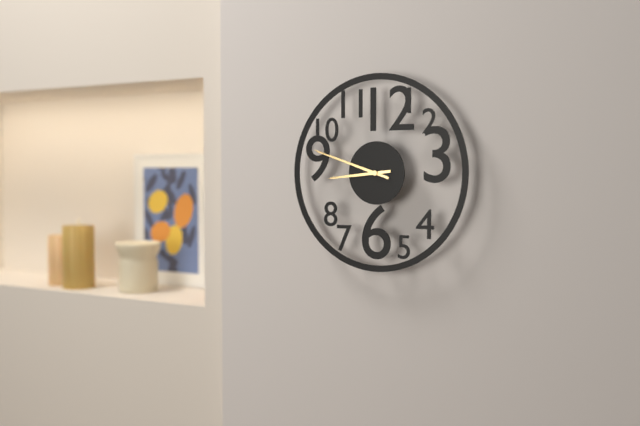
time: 8:48
